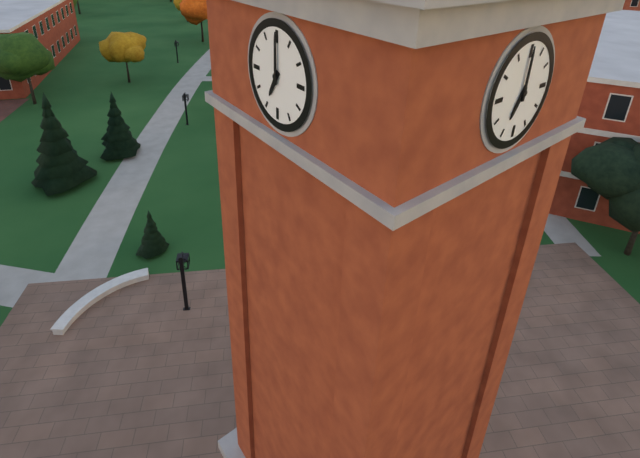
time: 7:00
